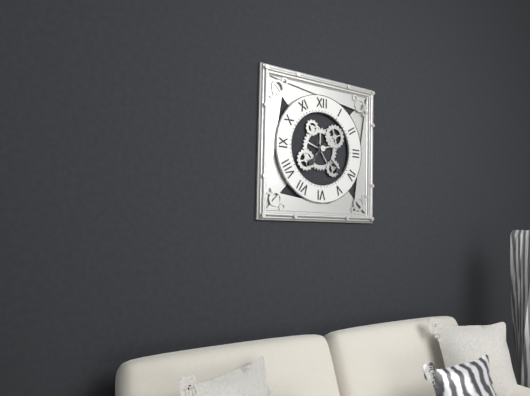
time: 7:22
